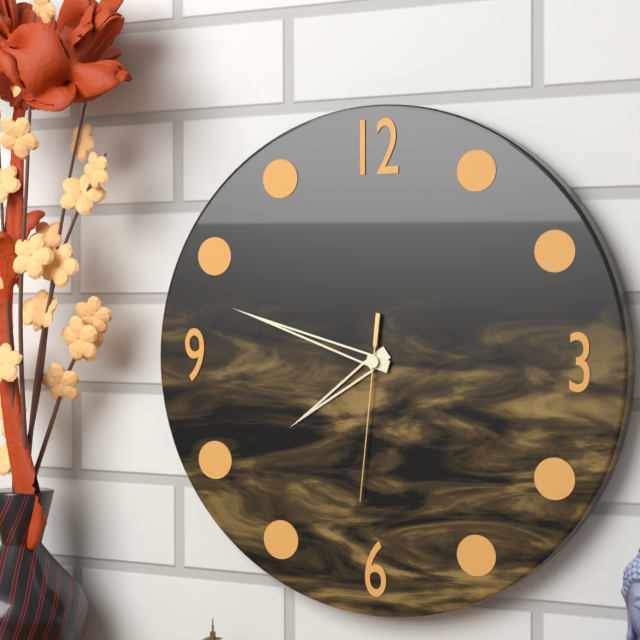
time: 7:48:31
